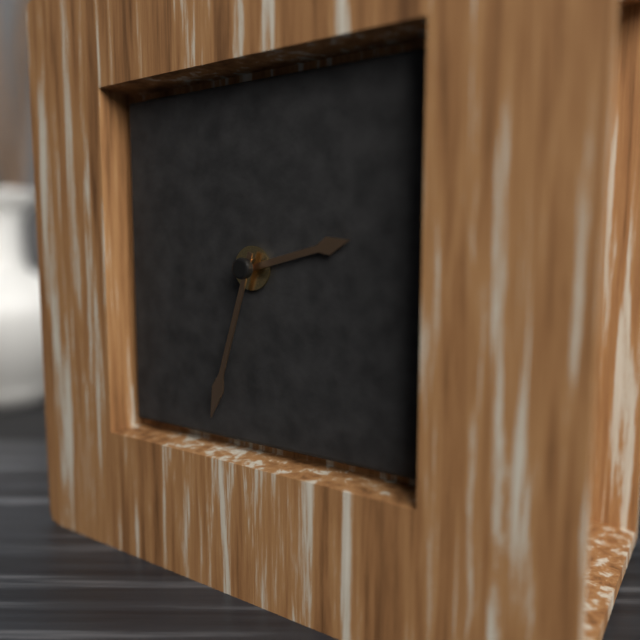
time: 2:33
